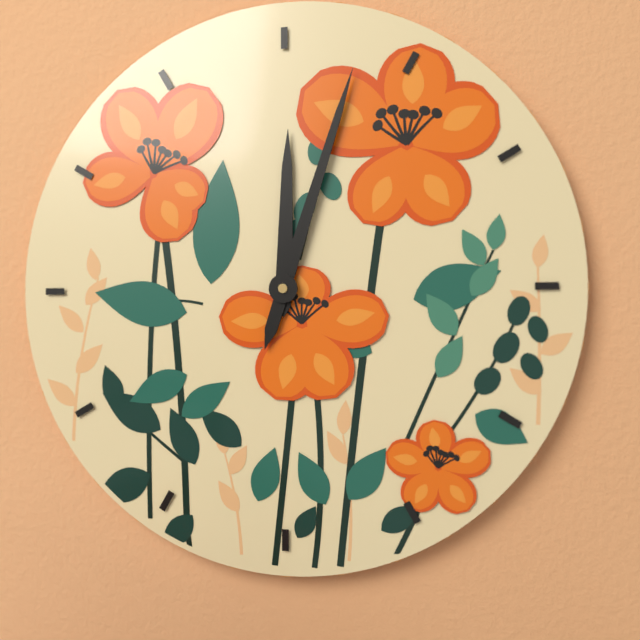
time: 12:03
